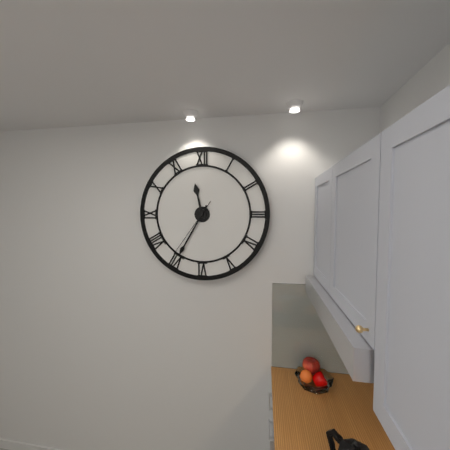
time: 11:35:36
